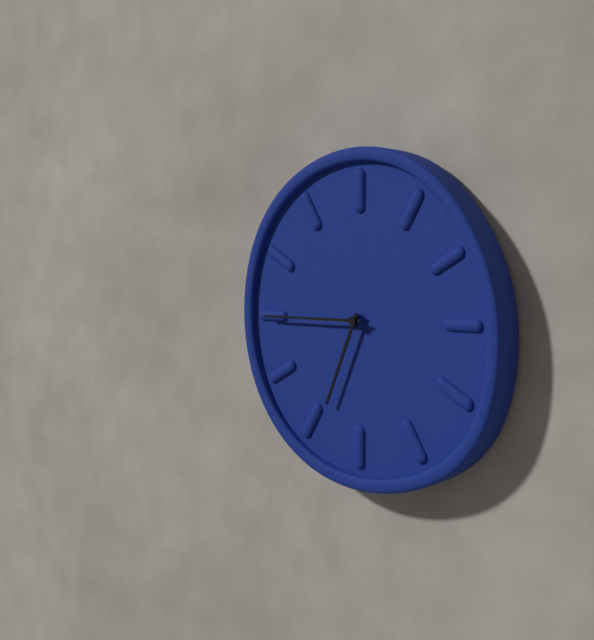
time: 6:45
